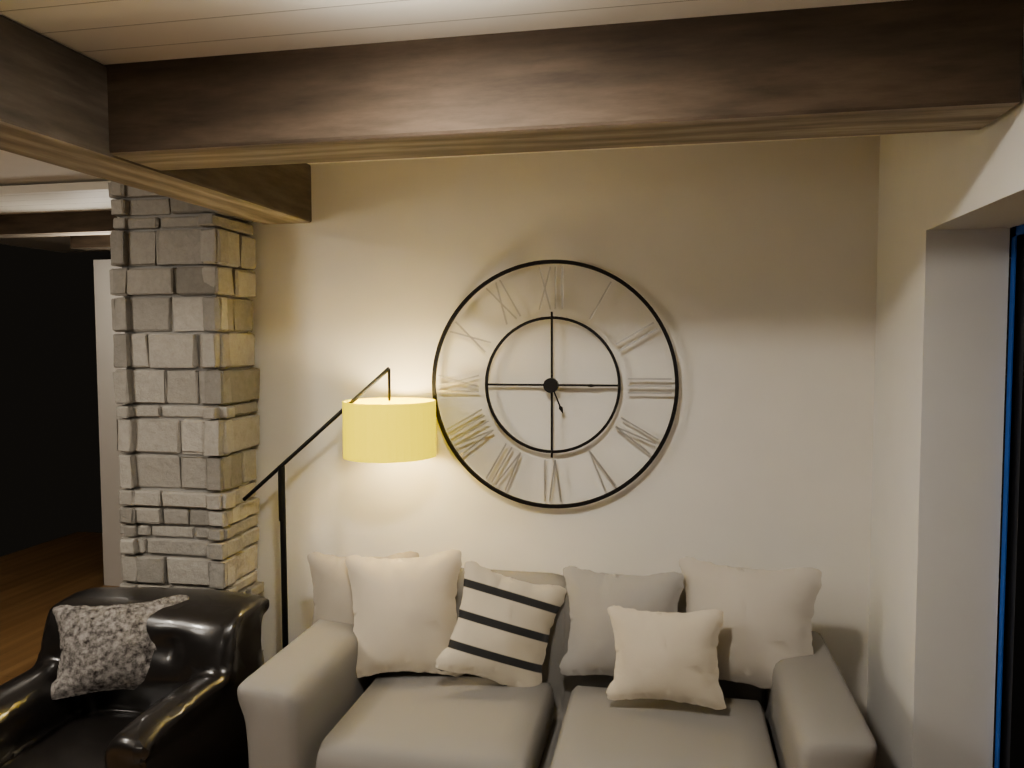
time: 5:15
